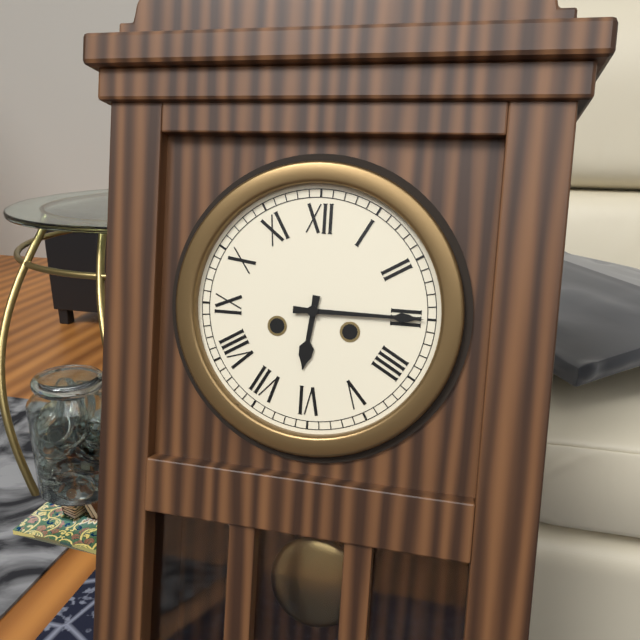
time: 6:15
